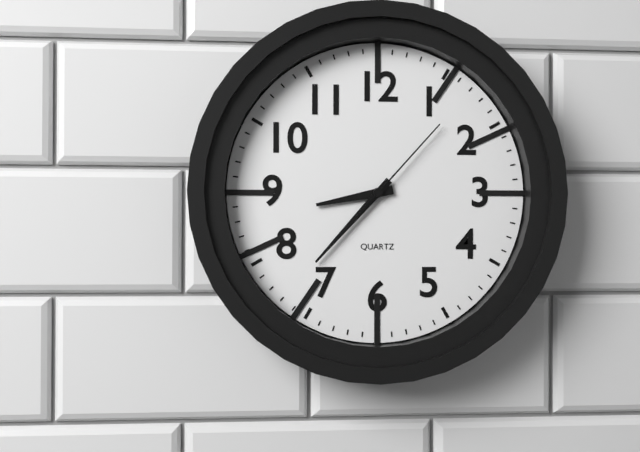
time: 8:37:07
